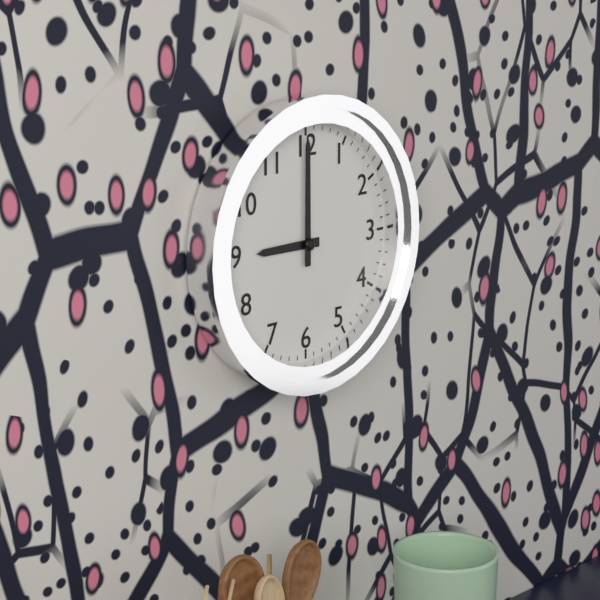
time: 9:00
